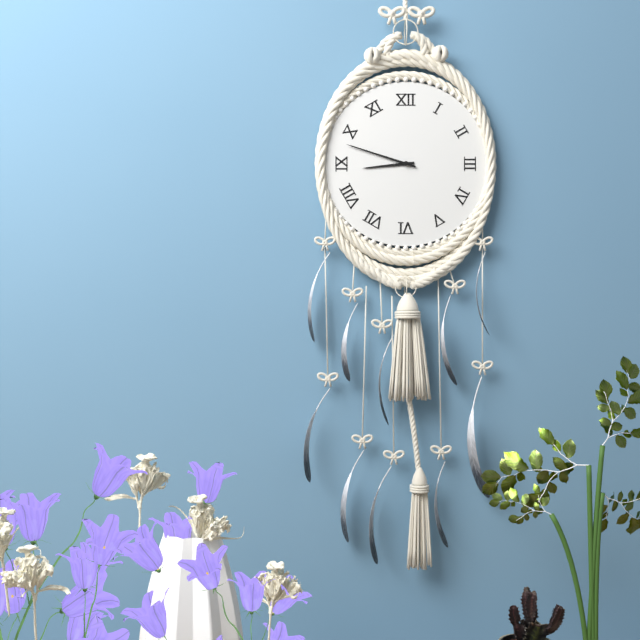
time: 8:48
